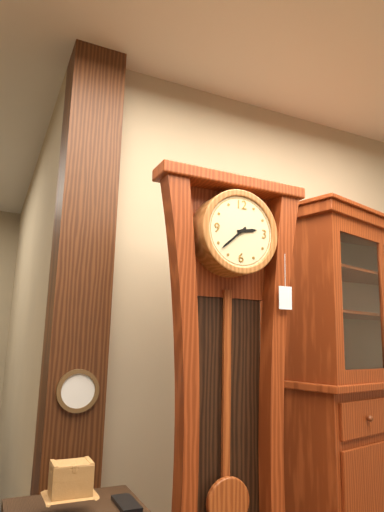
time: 2:38
